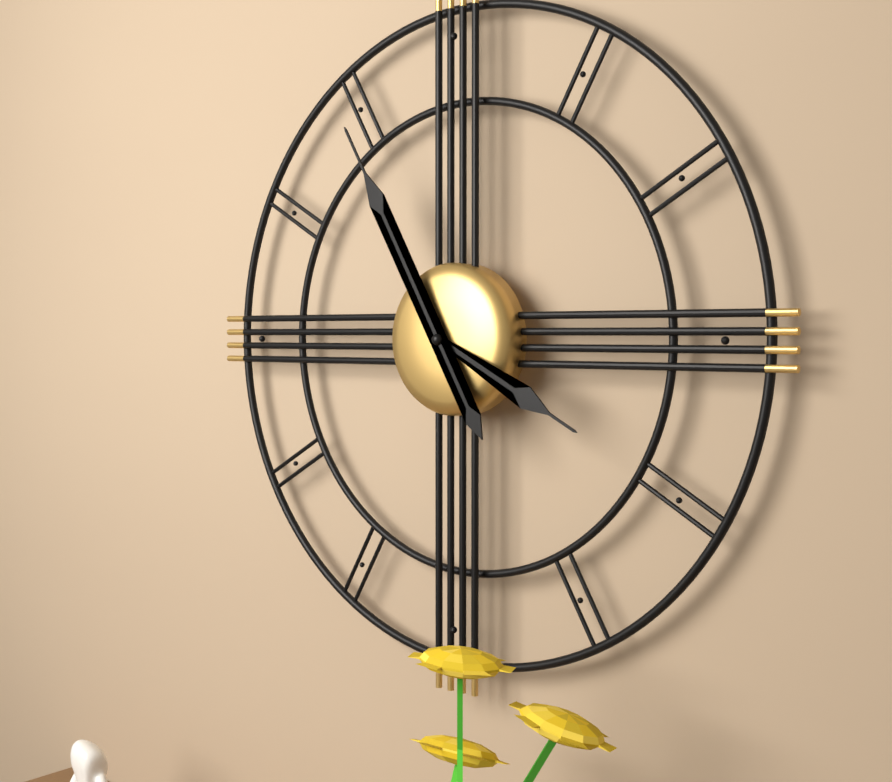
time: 3:55
